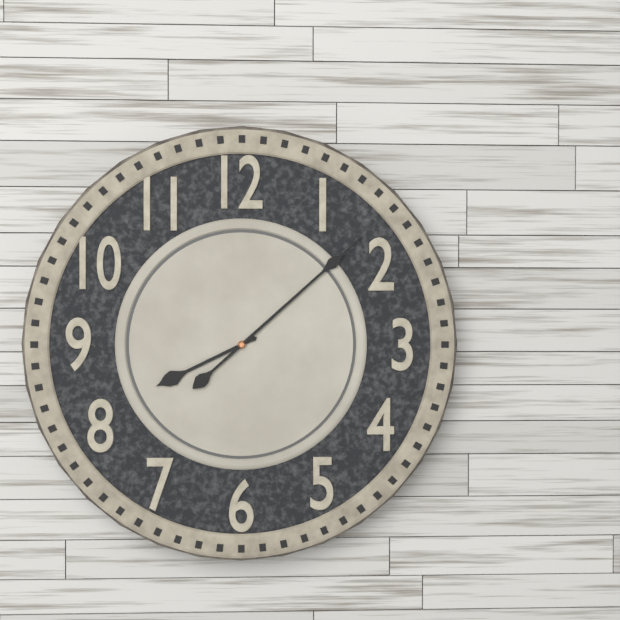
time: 8:08
